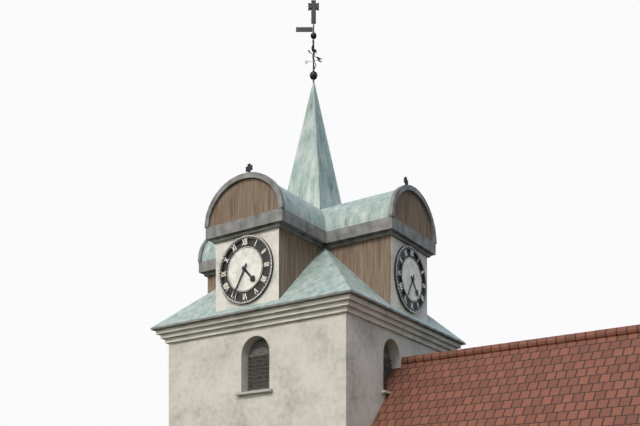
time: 4:35
